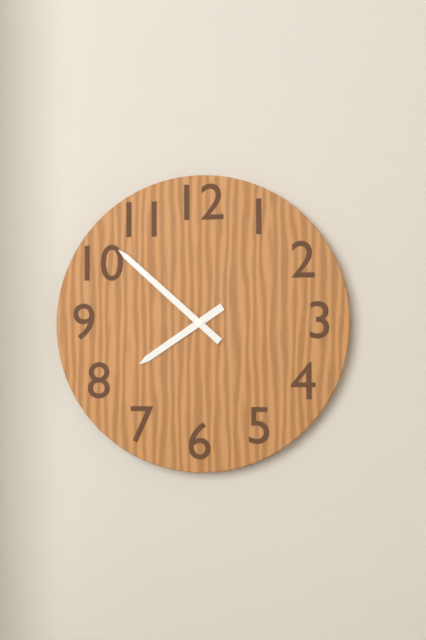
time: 7:52
